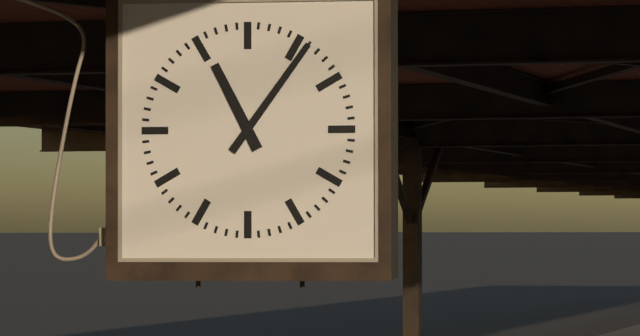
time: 11:06
